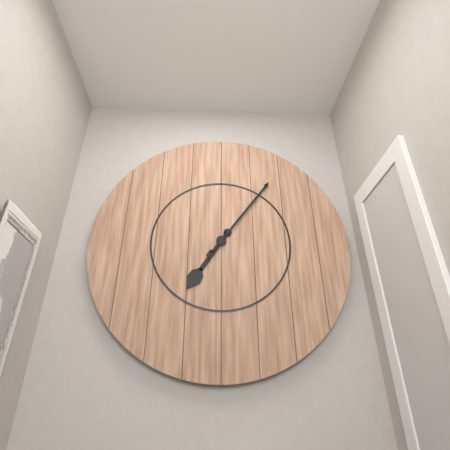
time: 7:06
